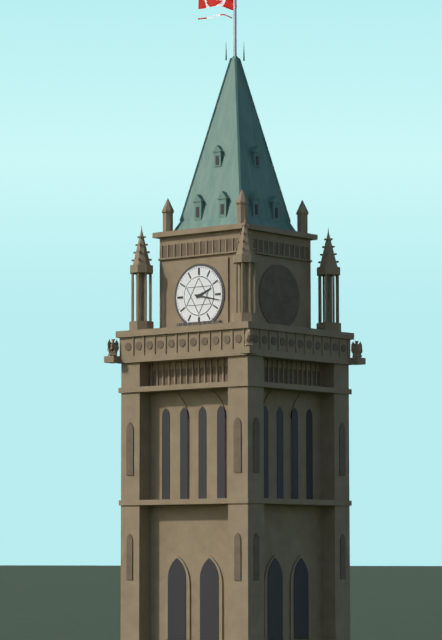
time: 2:17
